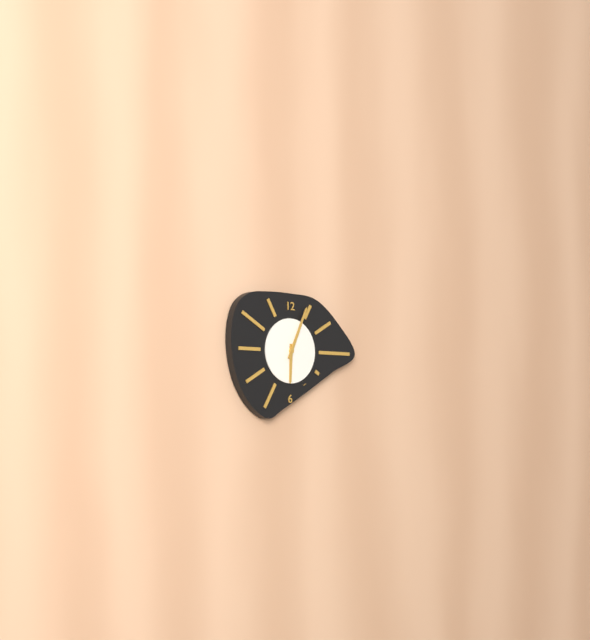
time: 6:04
